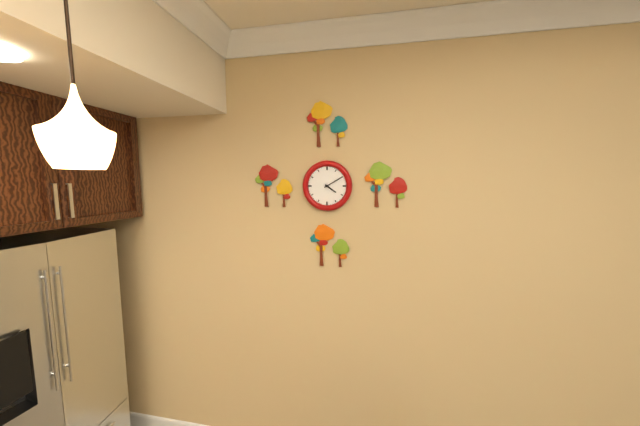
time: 4:10
